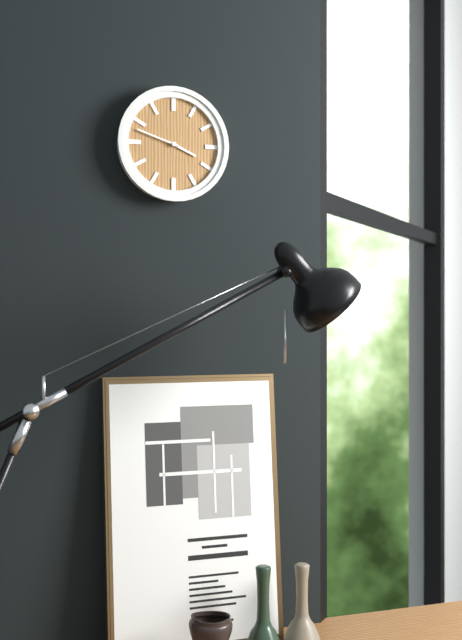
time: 3:48
